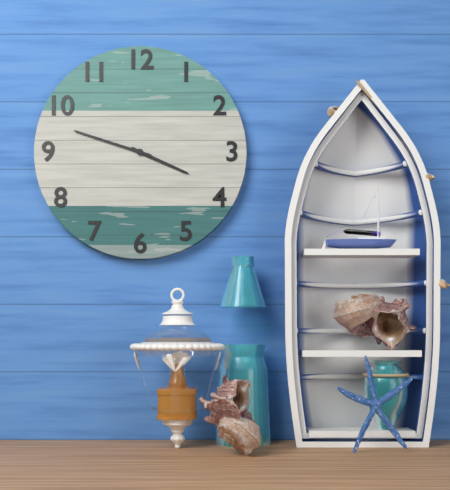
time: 3:48
